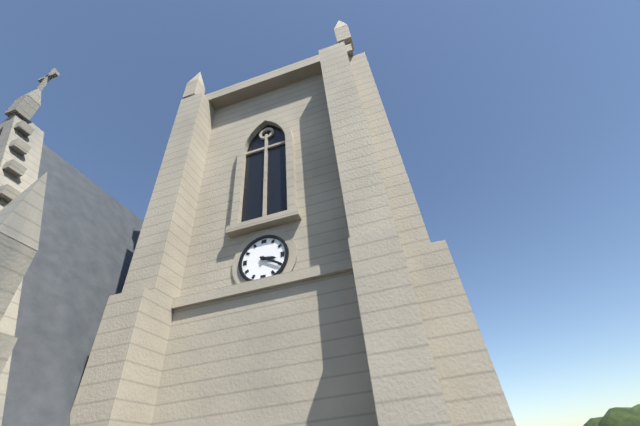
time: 3:20
